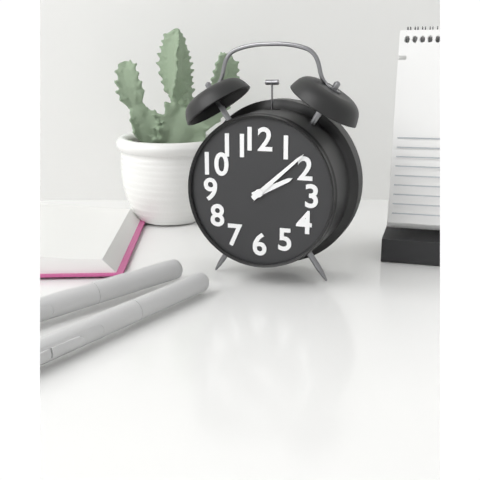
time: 2:08
